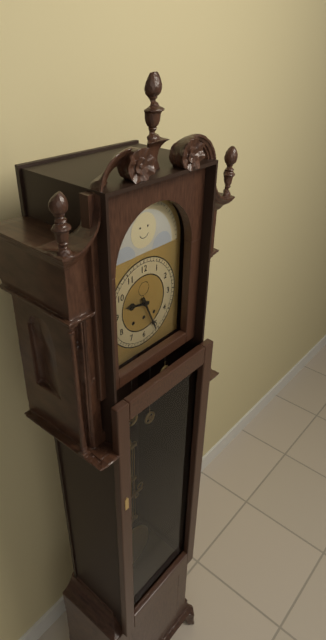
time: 9:26
